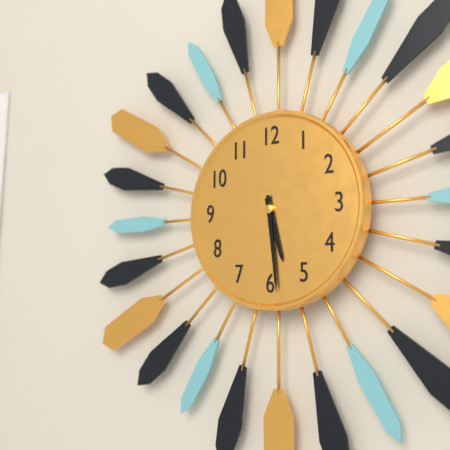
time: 5:29
